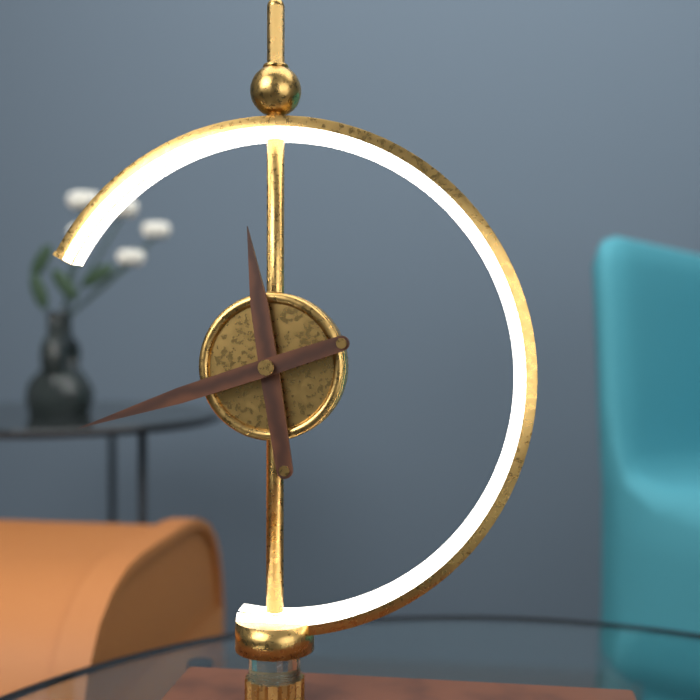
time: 11:42
